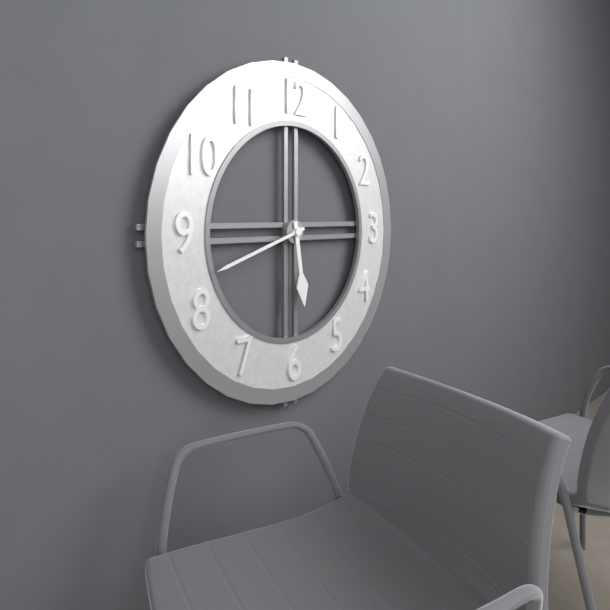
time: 5:42
